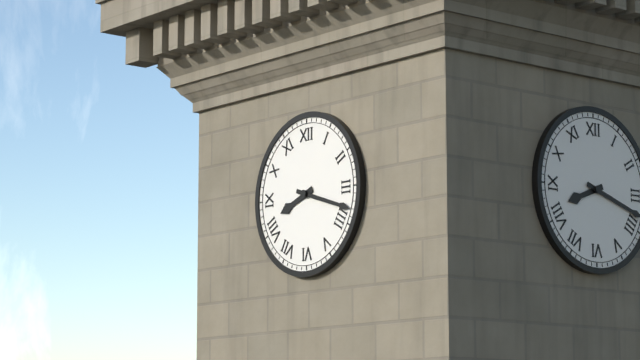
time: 8:18
